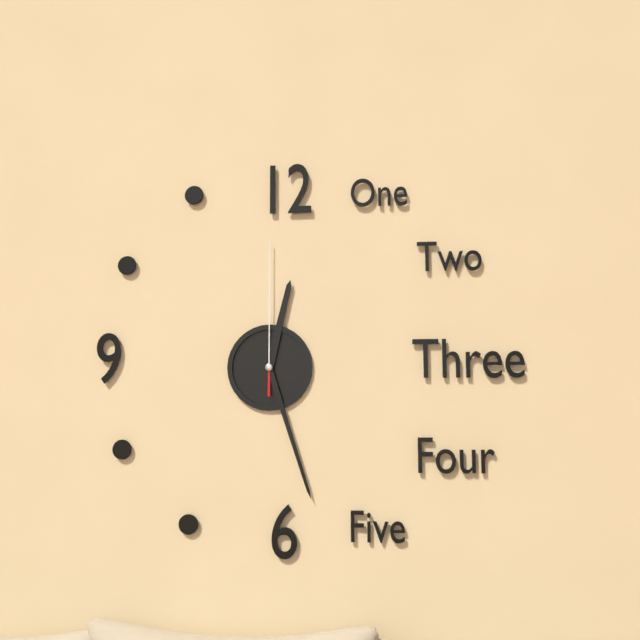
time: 12:27:00
